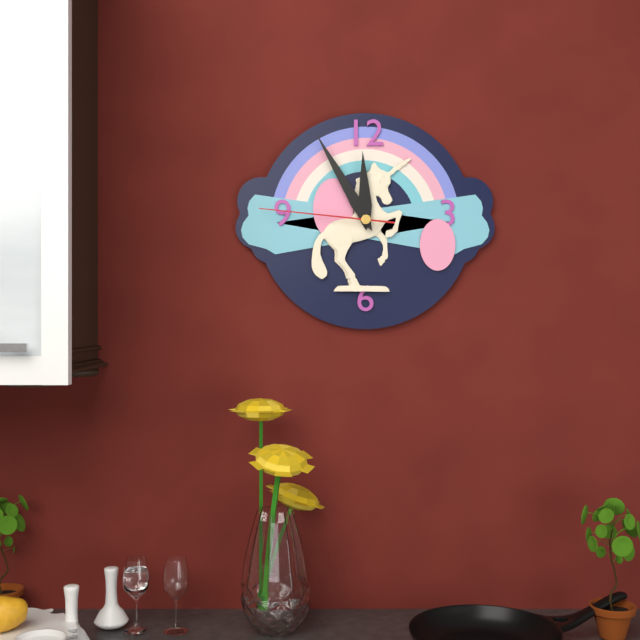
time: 11:55:46
